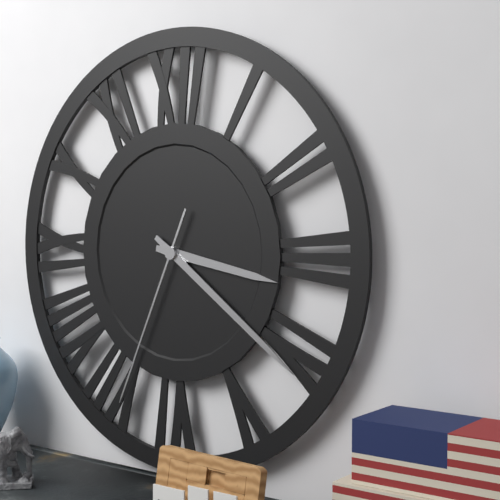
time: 3:21:34
